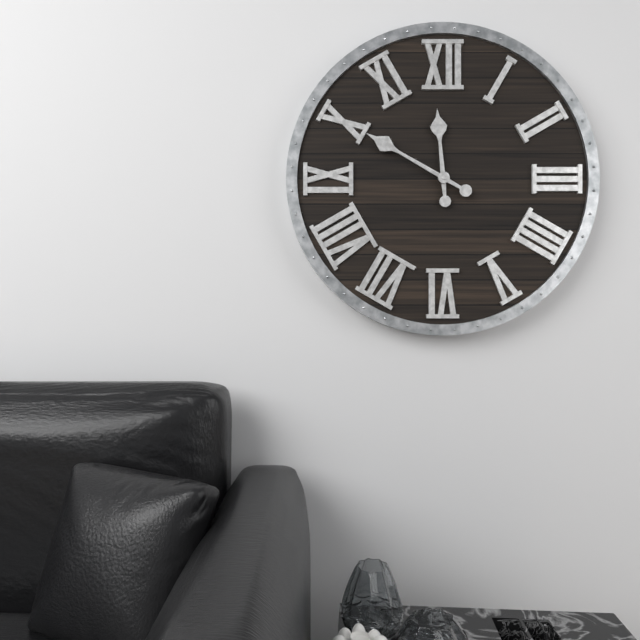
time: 11:50
